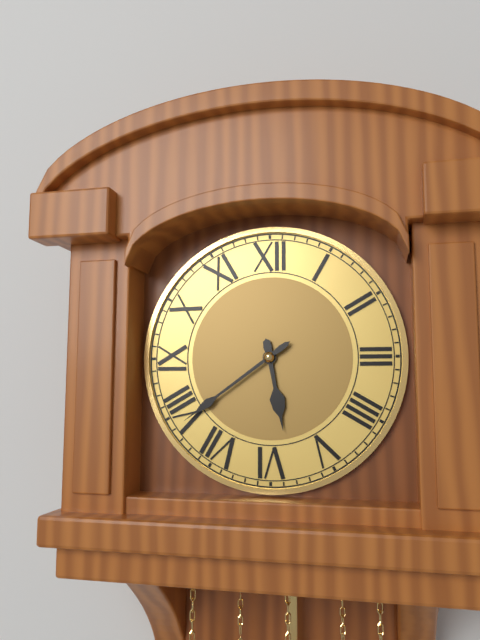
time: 5:39
